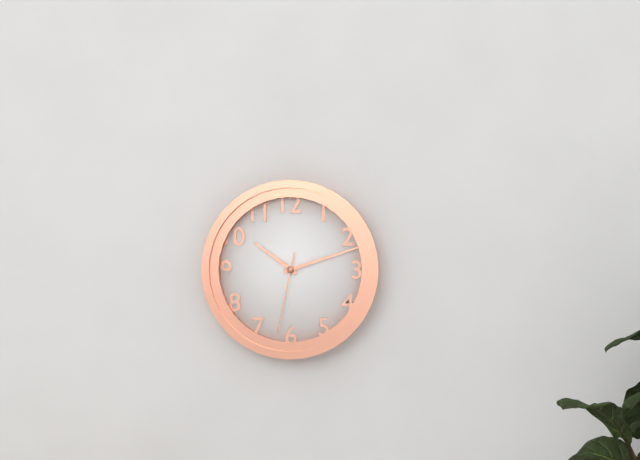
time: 10:12:32
